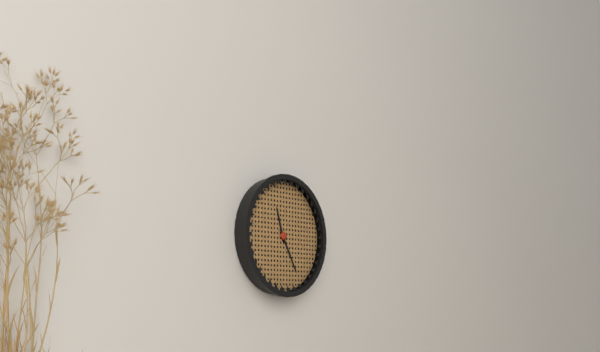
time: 11:25
